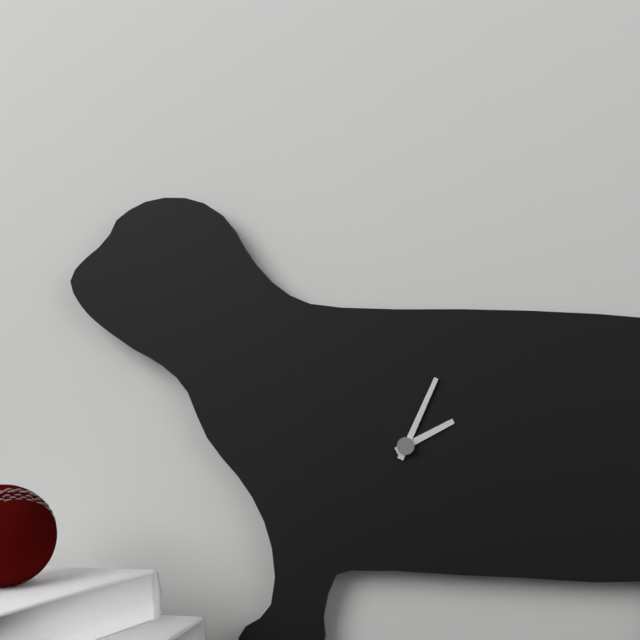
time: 2:04
